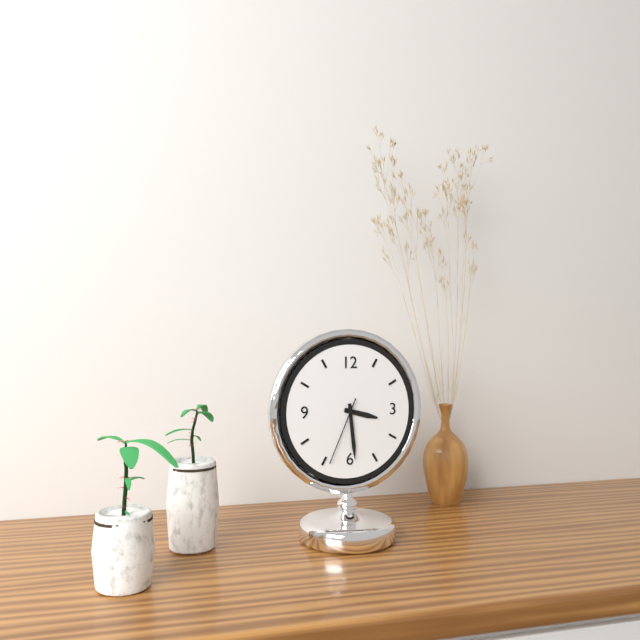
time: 3:29:34
